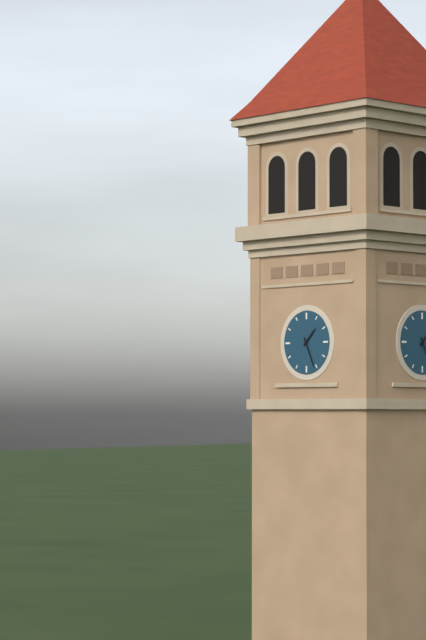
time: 1:26
